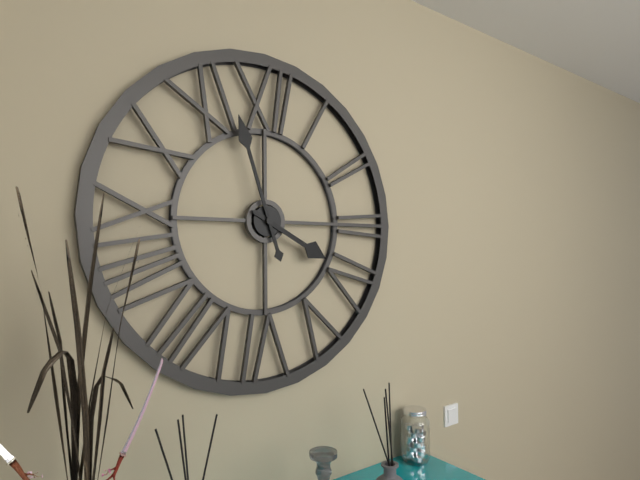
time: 3:57
